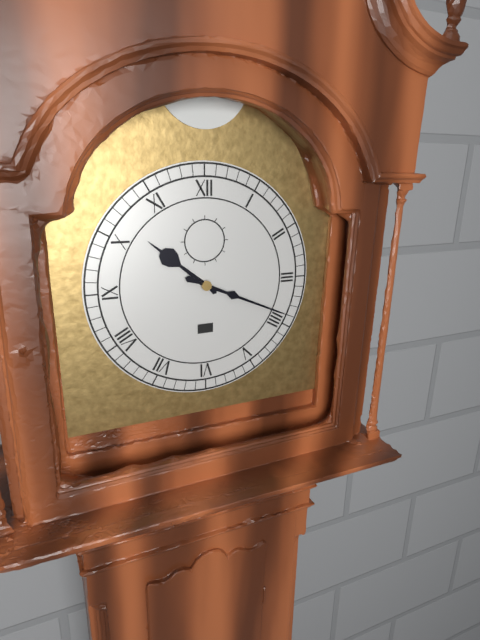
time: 10:19
